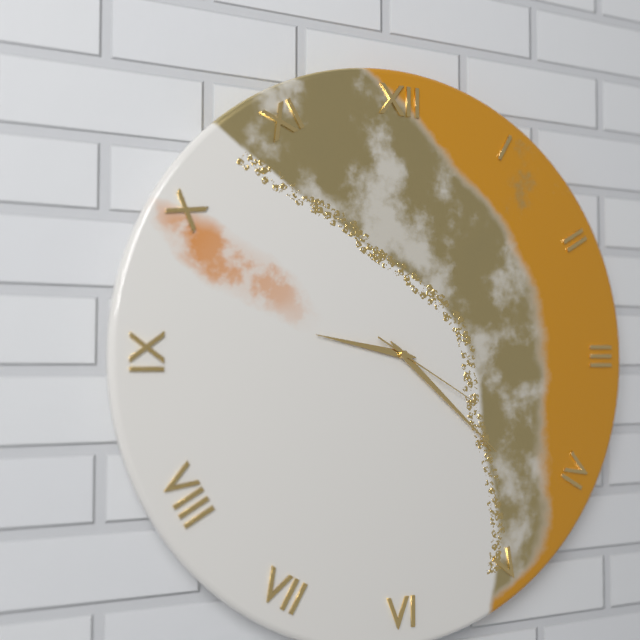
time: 9:22:20
